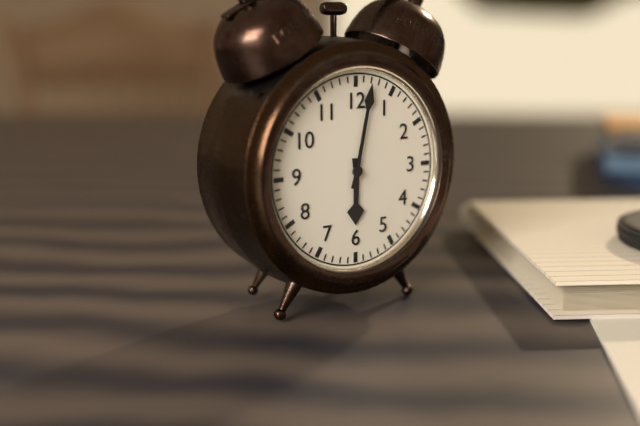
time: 6:02
